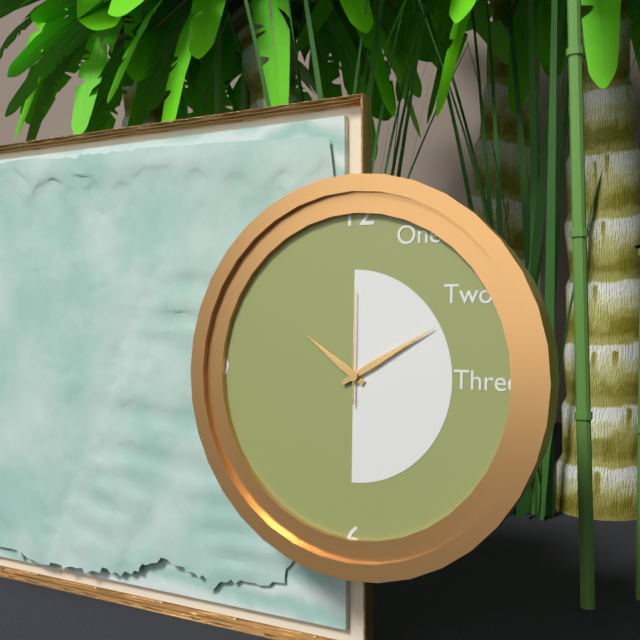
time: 10:10:00
